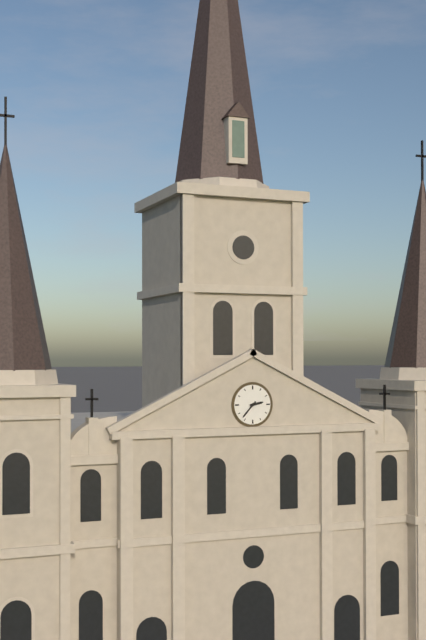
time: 2:37
